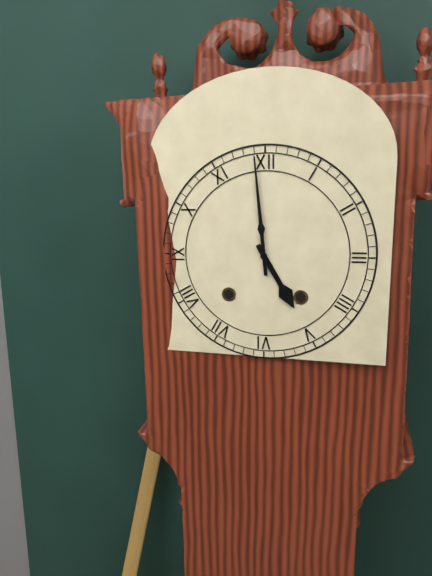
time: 4:59
